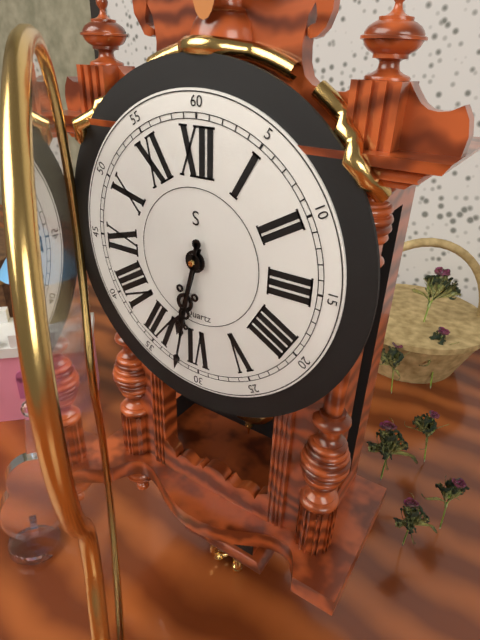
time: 6:32
